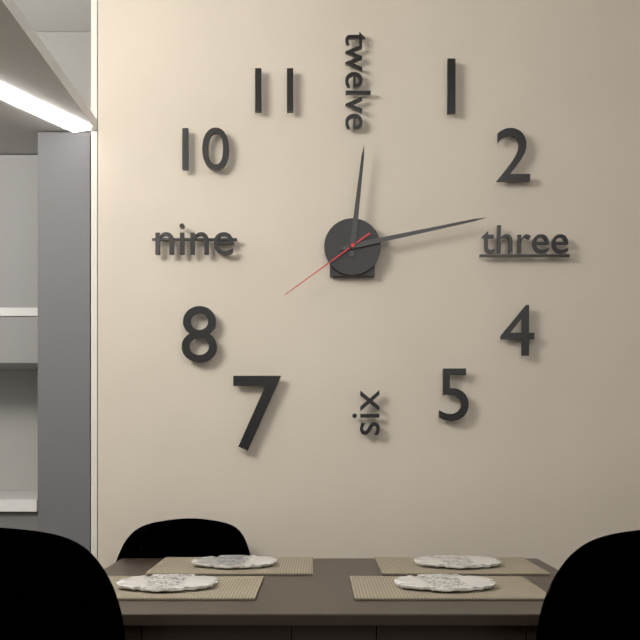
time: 12:13:39
